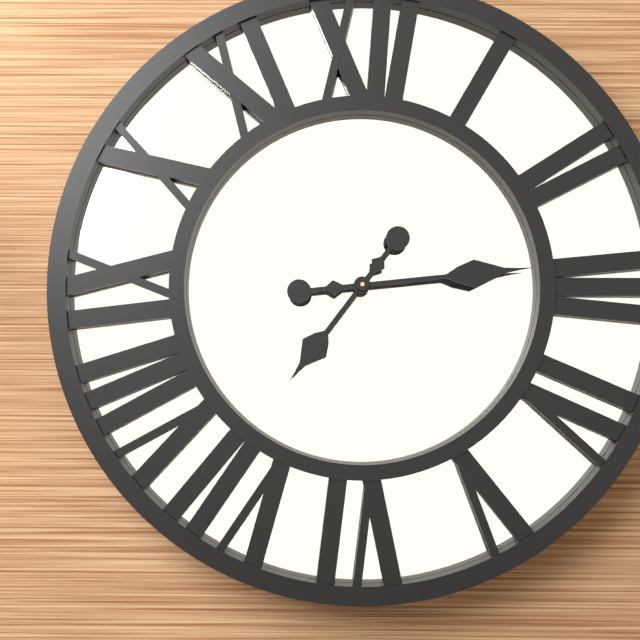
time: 7:14
